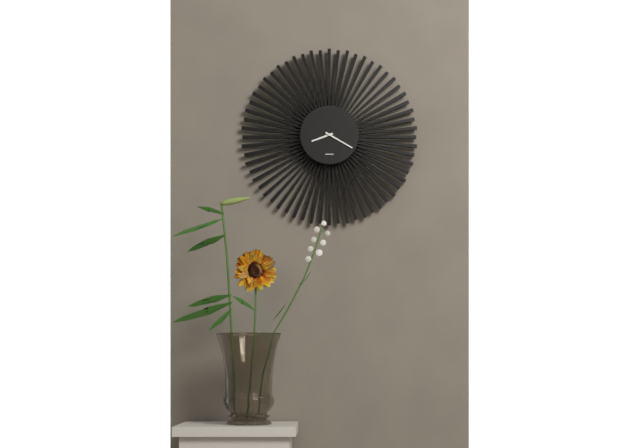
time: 8:20
